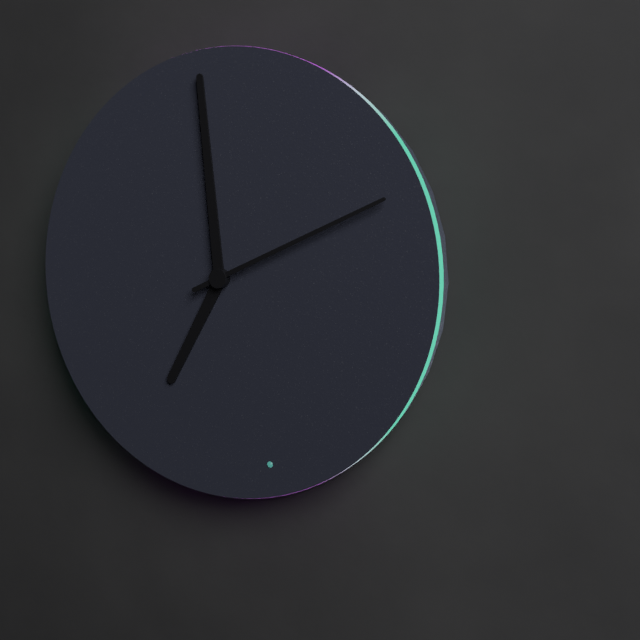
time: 6:59:11
